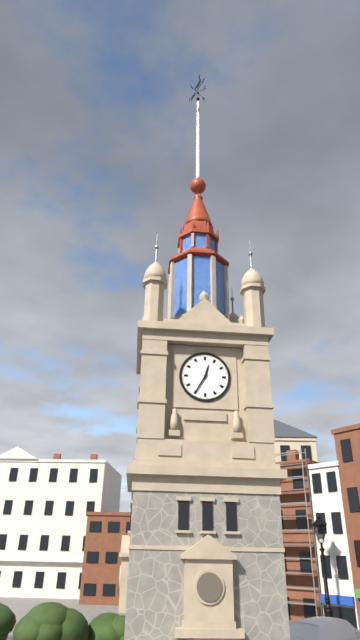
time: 12:35
